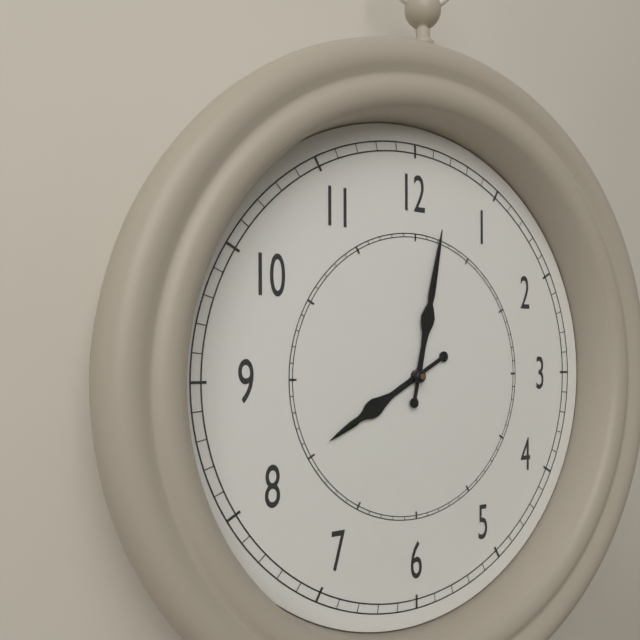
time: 8:02
